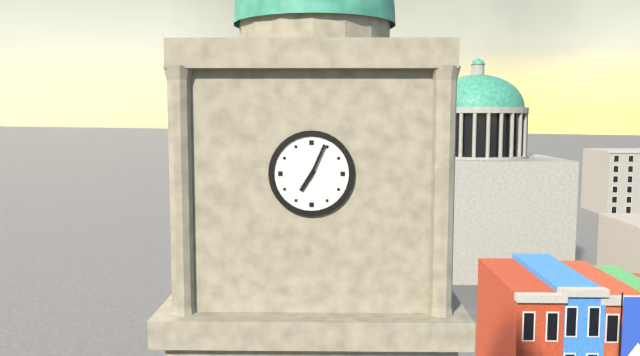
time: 7:04
